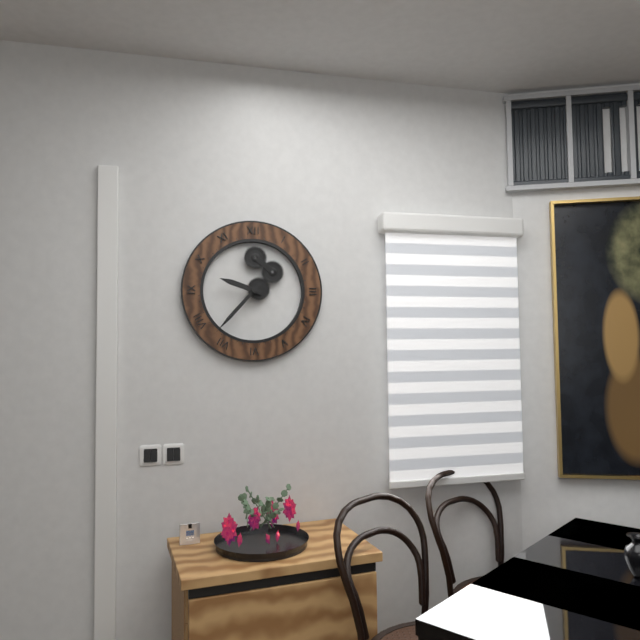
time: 9:37
